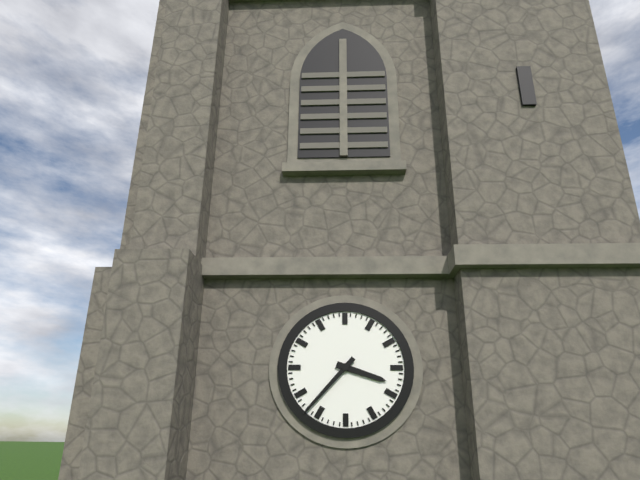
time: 3:37
